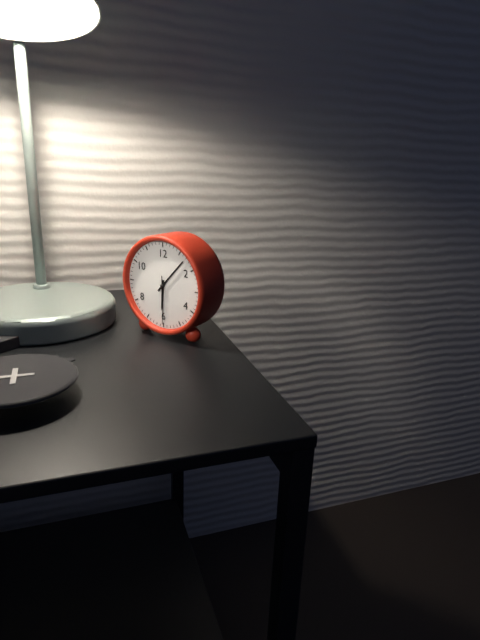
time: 6:07
